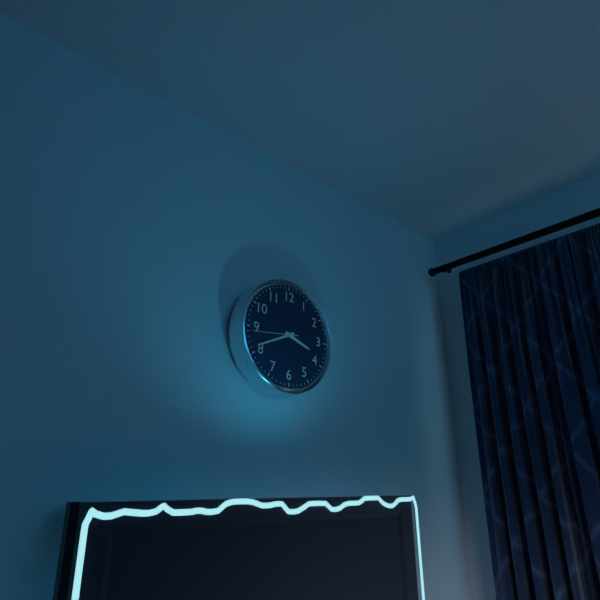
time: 3:41
